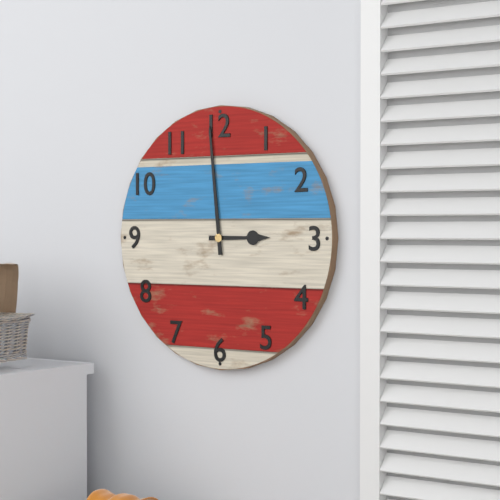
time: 2:59
